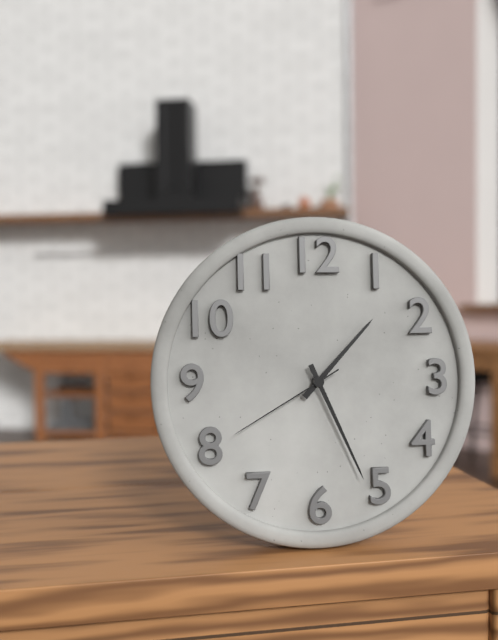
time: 1:26:40
